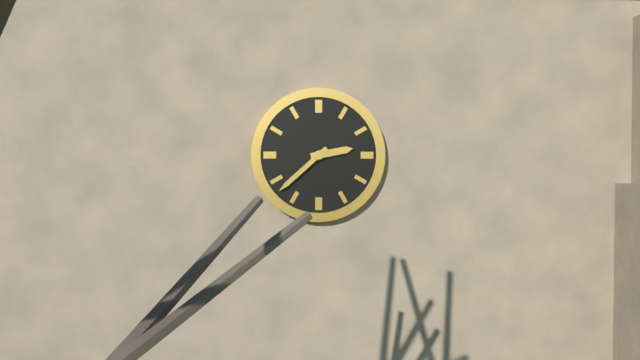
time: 2:38
